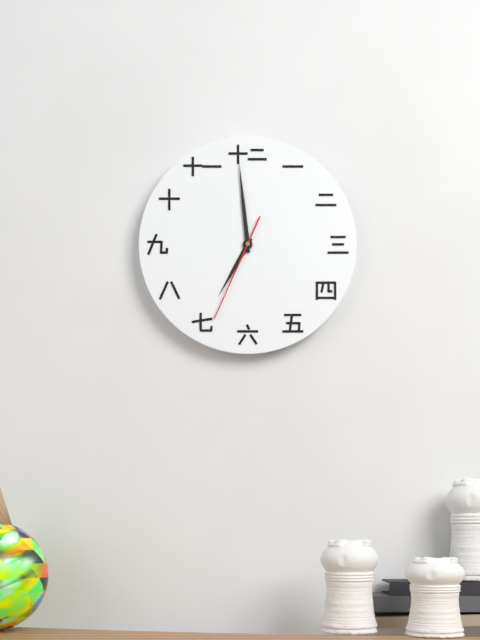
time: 6:59:34
